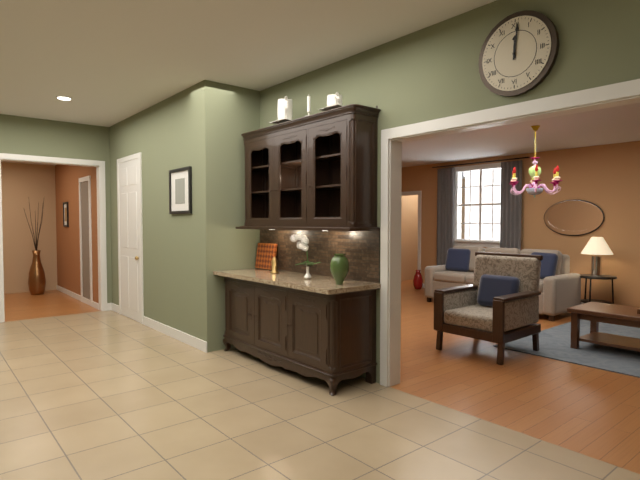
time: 12:01
